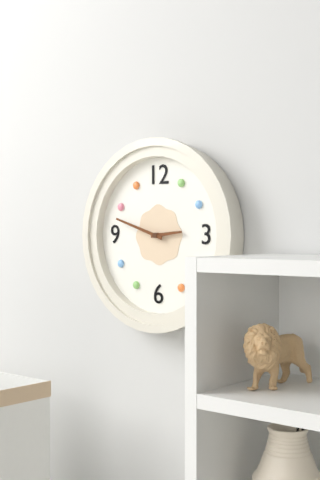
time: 2:48
